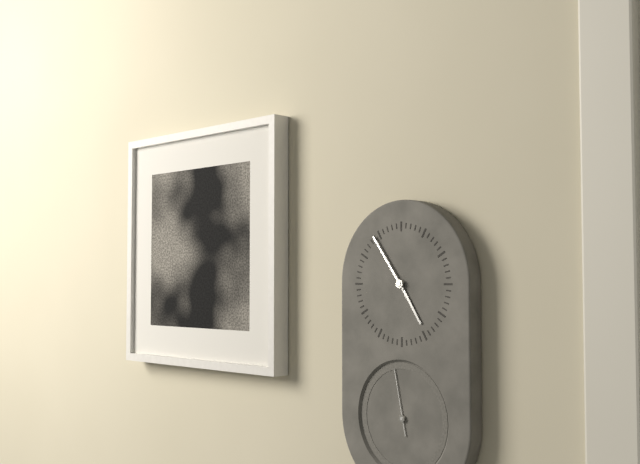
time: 4:54:58
